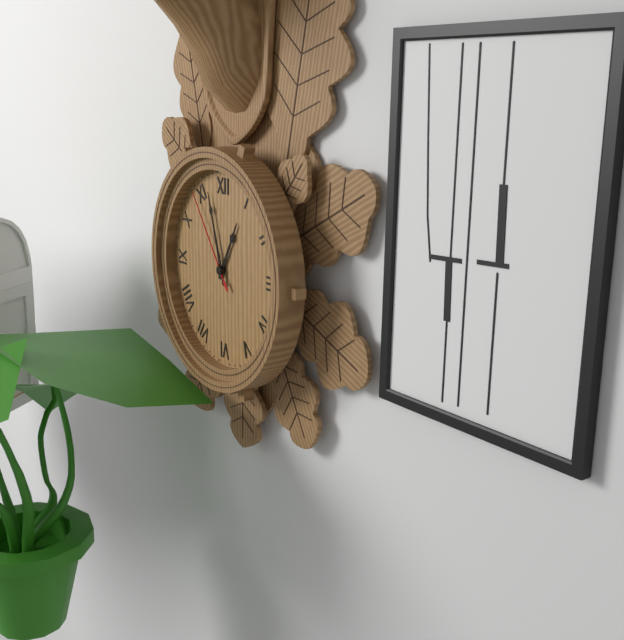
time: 12:57:54
